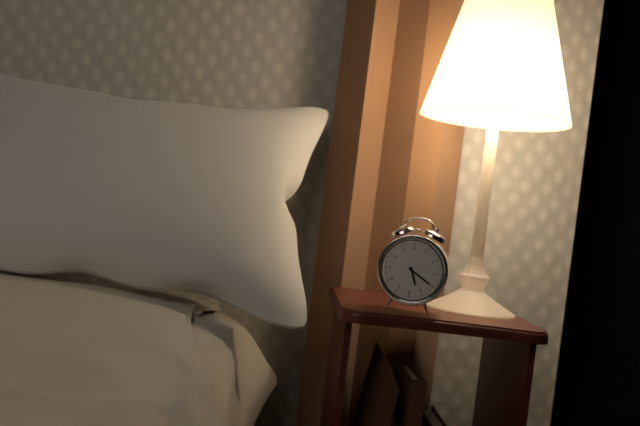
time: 5:20
